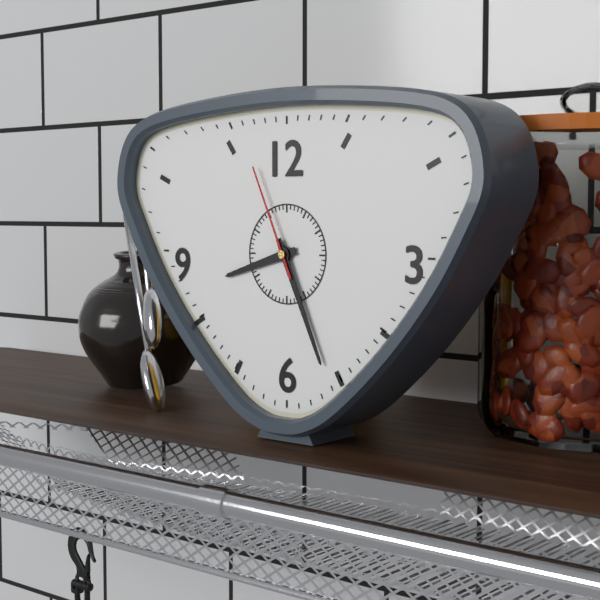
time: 8:26:56
